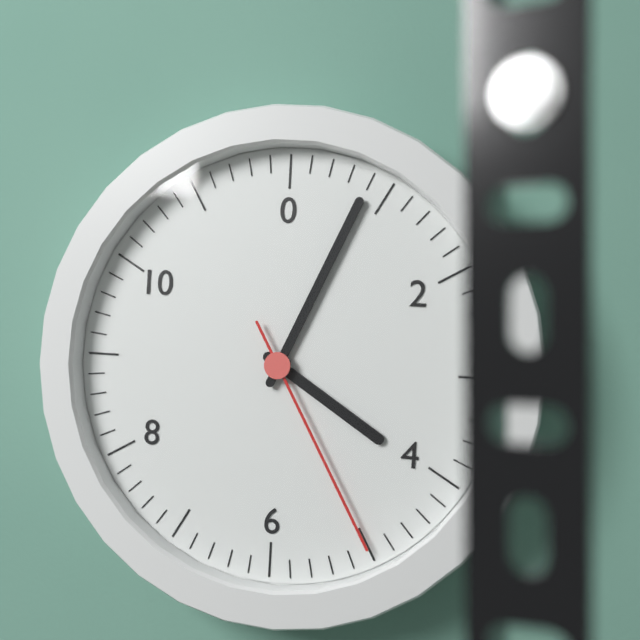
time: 4:04:25
